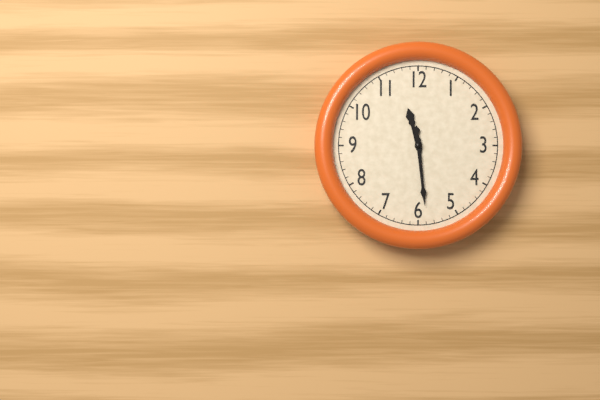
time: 11:29
